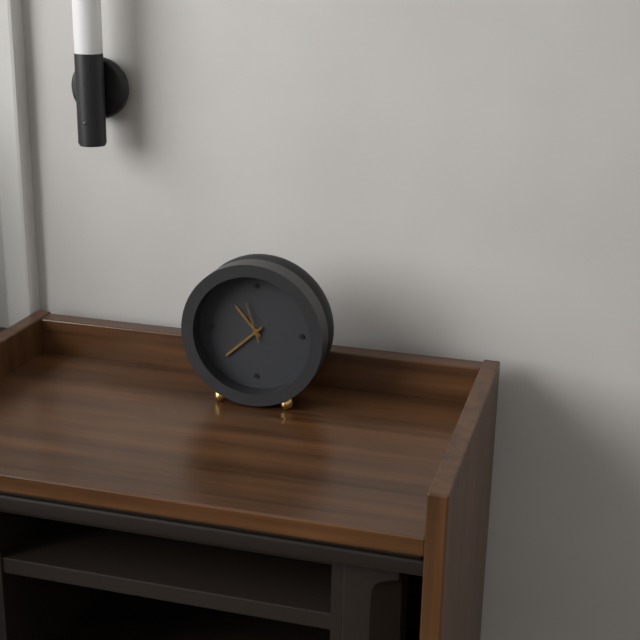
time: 10:38
